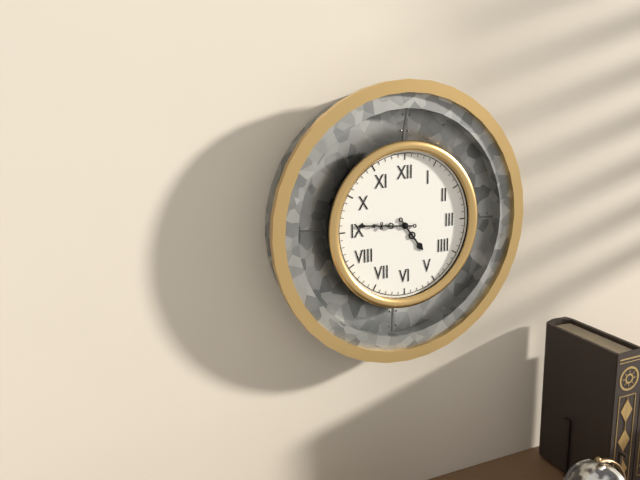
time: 4:46
